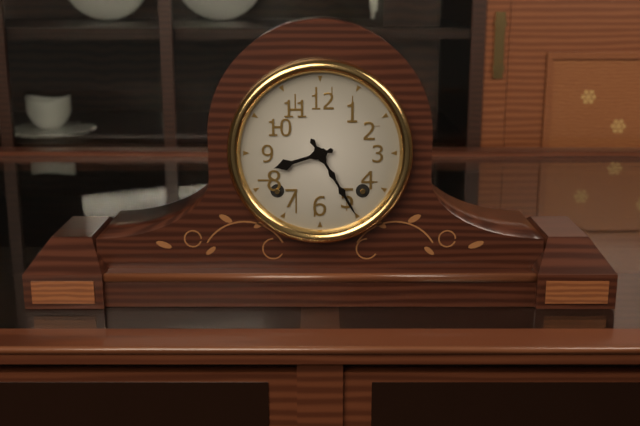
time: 8:25
